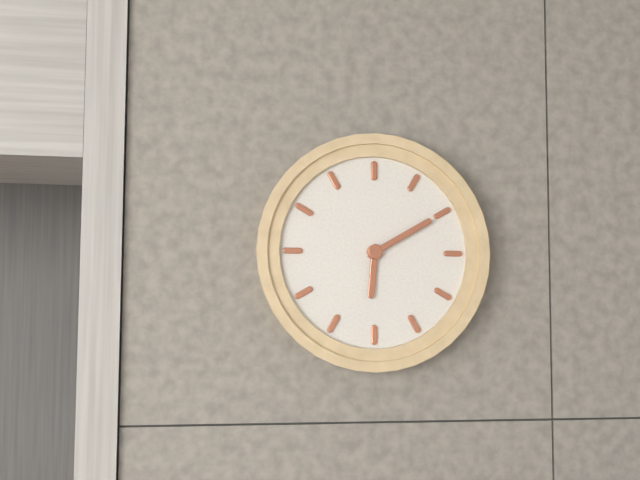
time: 6:10
